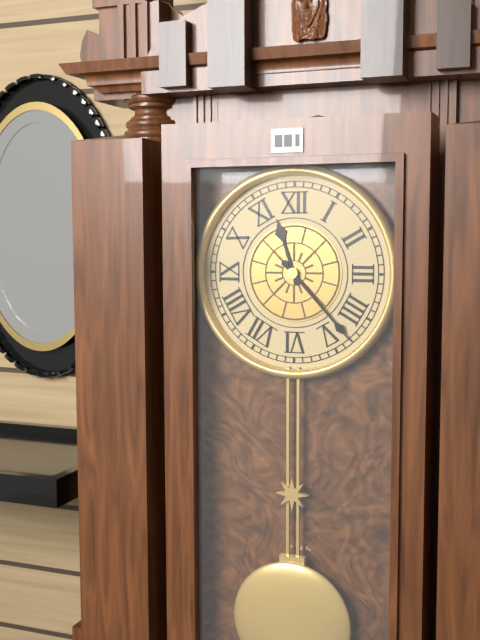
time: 11:23
